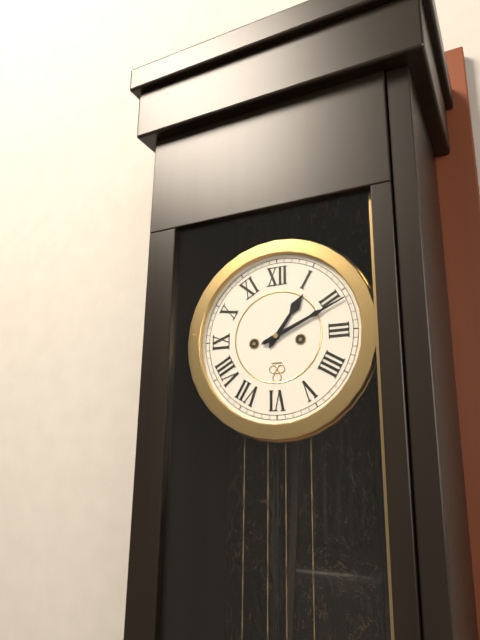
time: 1:11
